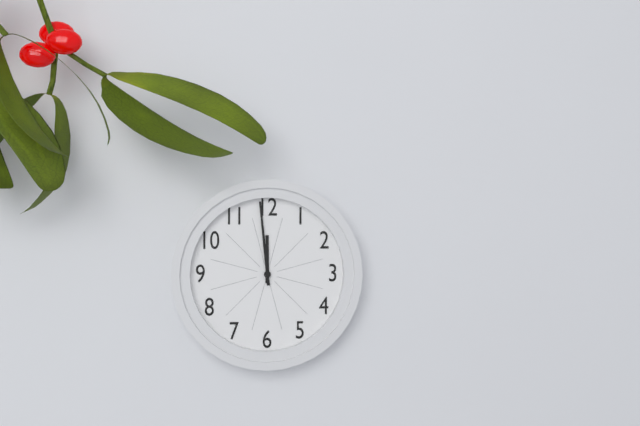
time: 11:59
